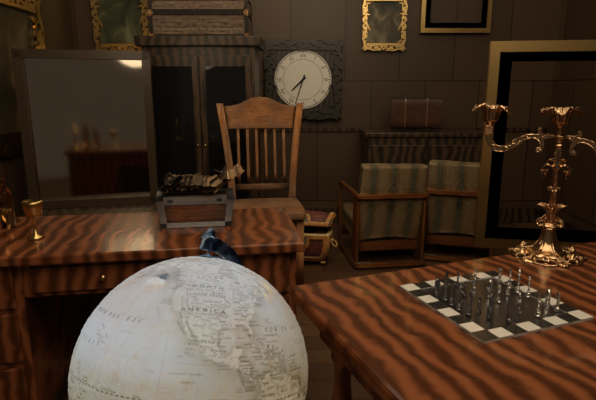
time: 7:33
